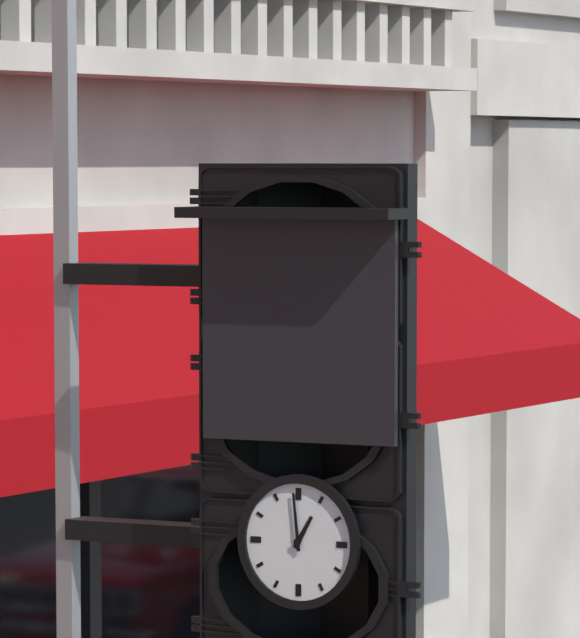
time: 12:59
